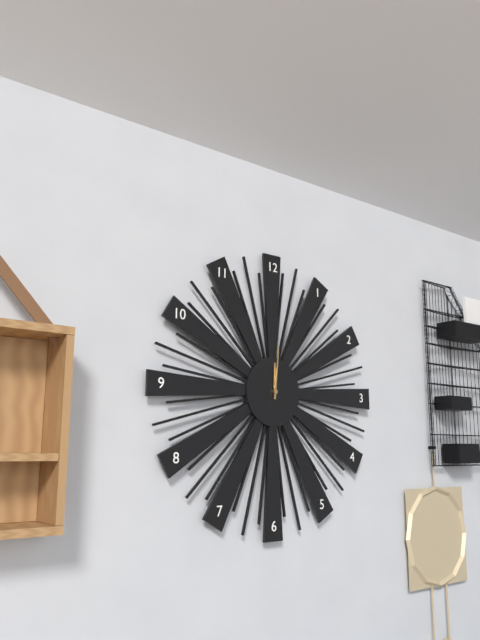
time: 12:01
